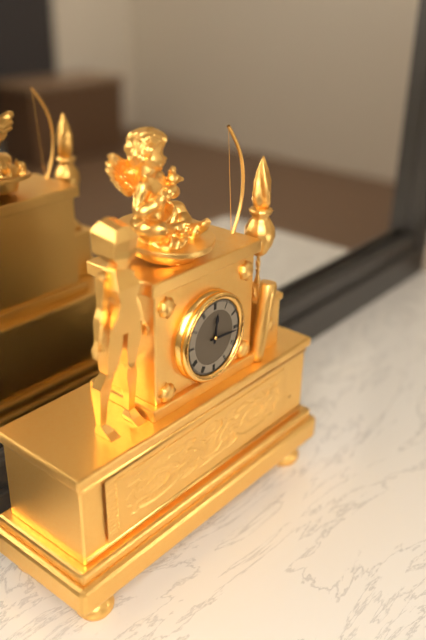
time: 12:16
